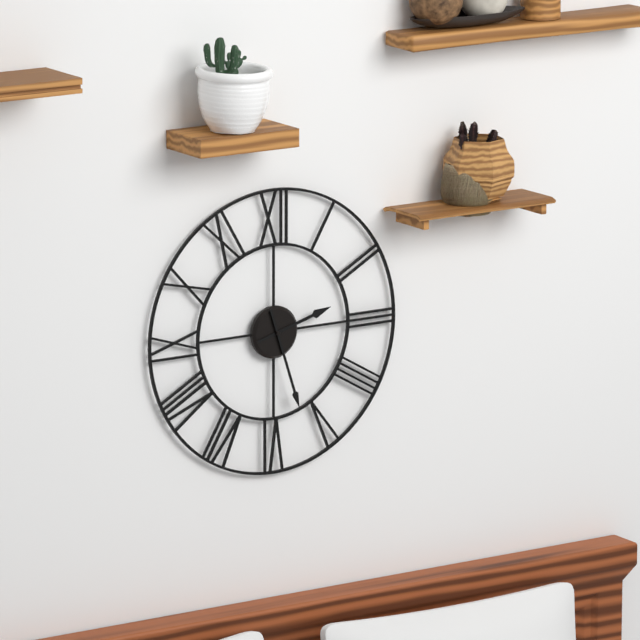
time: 2:27
